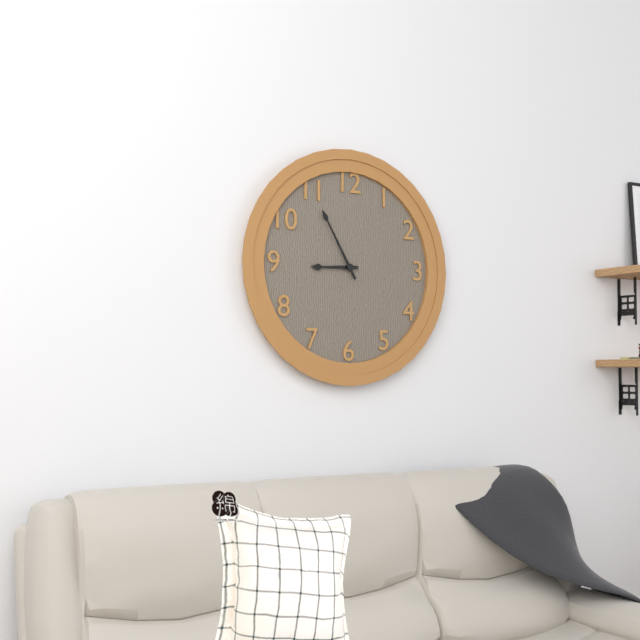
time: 8:55
